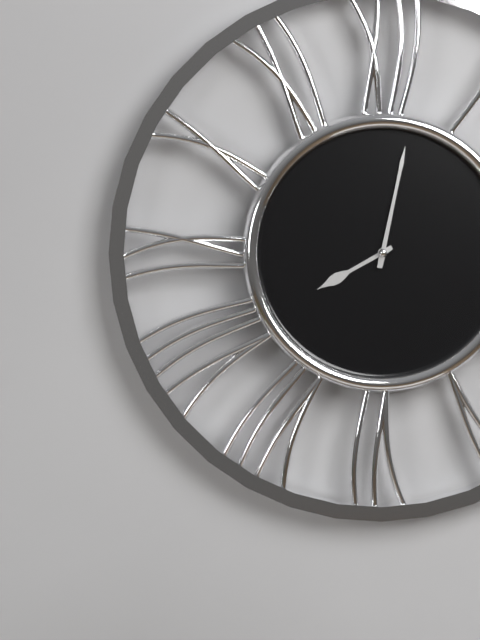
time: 8:02
